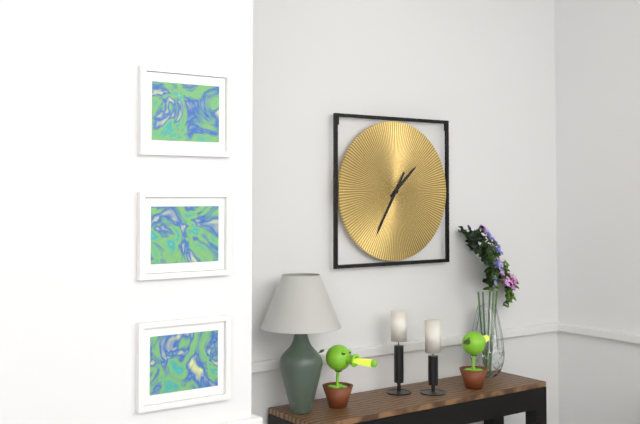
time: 1:35
